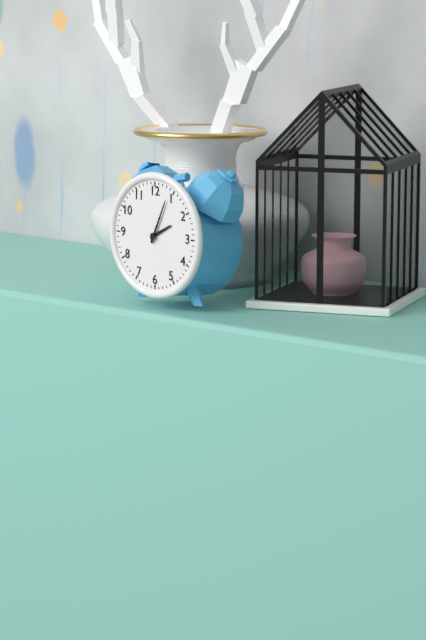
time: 2:04
